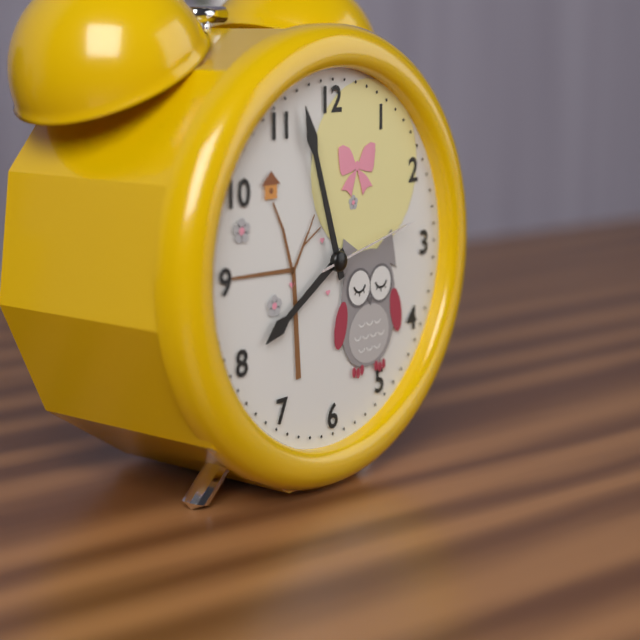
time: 7:57:13
